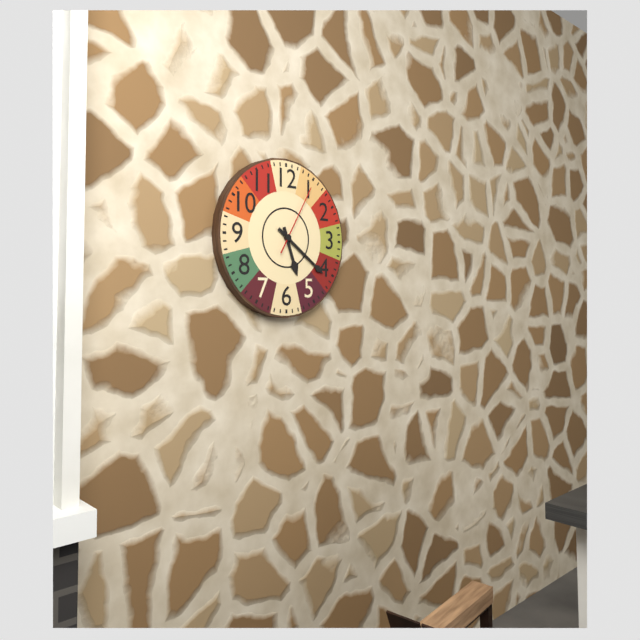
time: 5:21:05
